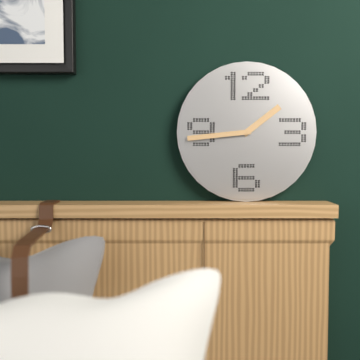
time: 1:44
